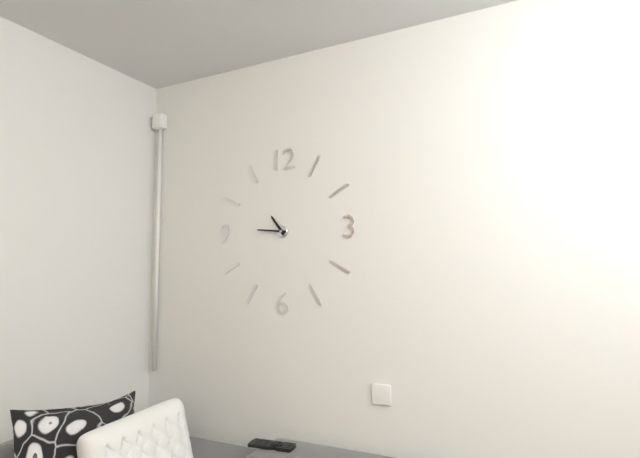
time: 10:46
